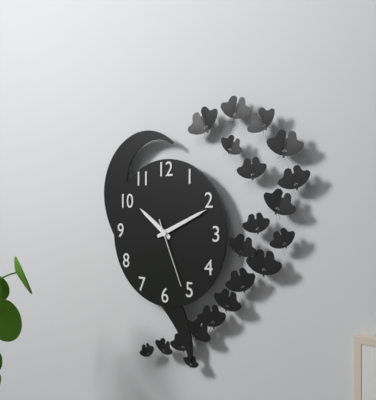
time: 10:11:26
